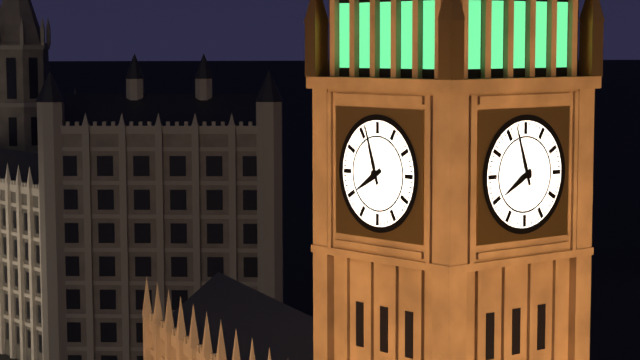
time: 7:57
